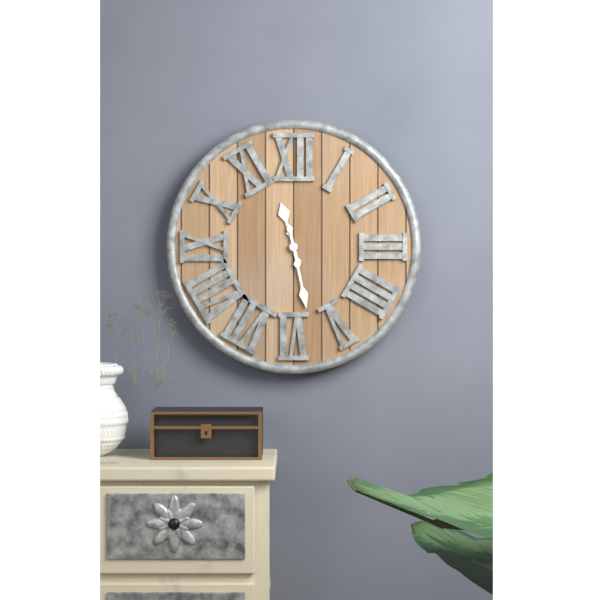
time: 11:28
